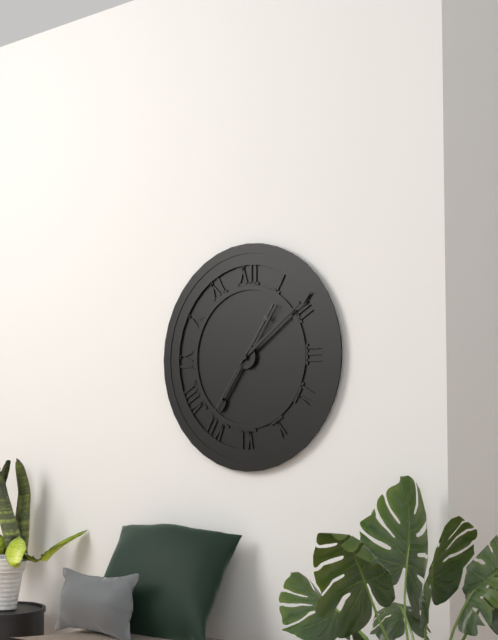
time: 7:09:36
